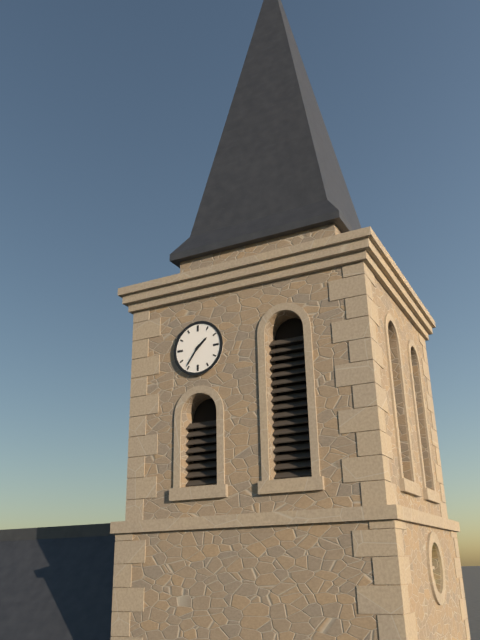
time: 1:36
